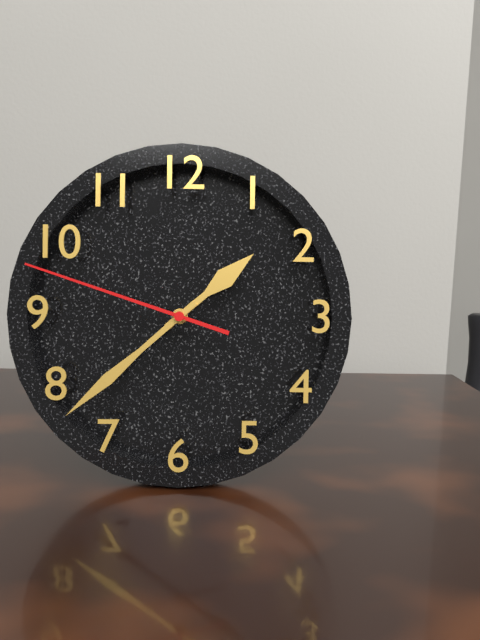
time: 1:38:48
